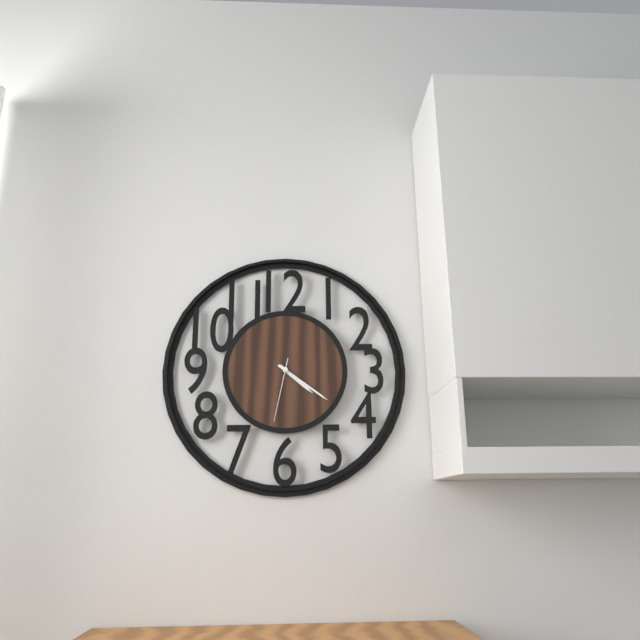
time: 4:21:32
